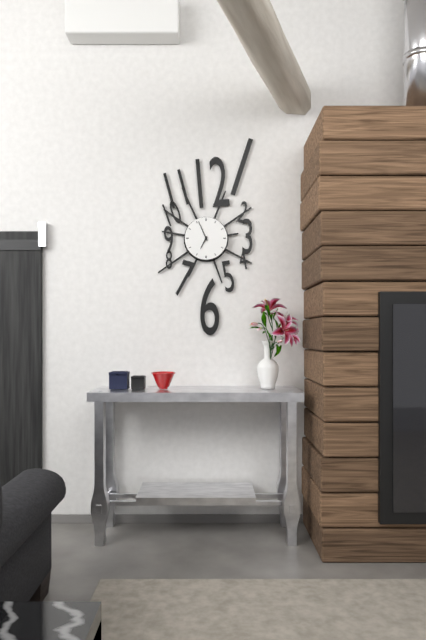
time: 6:56
